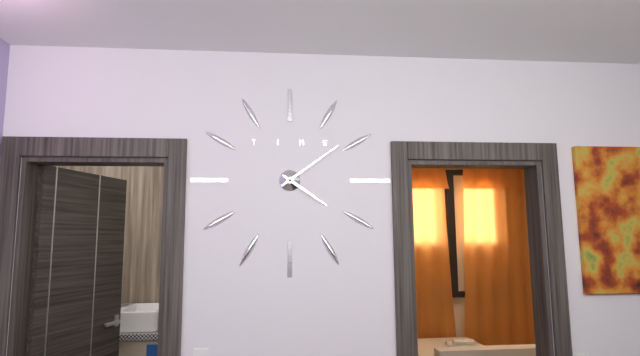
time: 4:09
